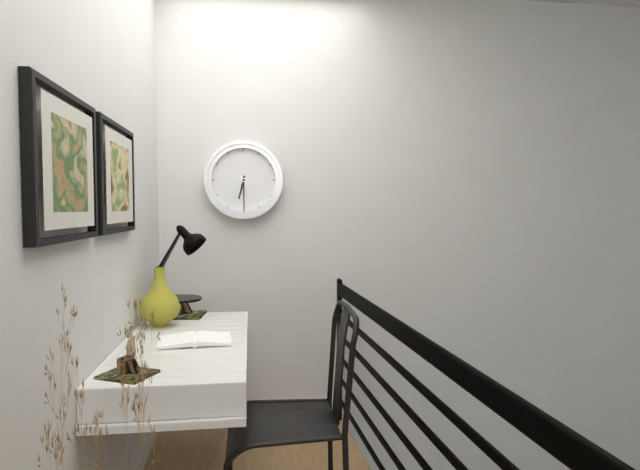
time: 6:30
